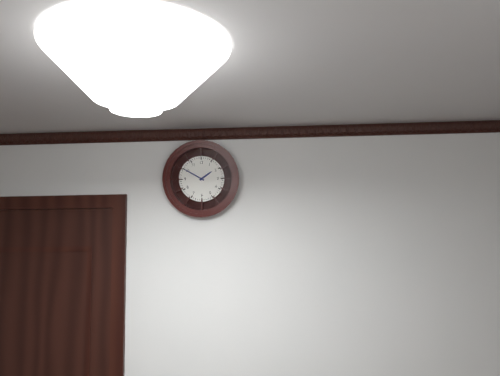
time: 1:50
